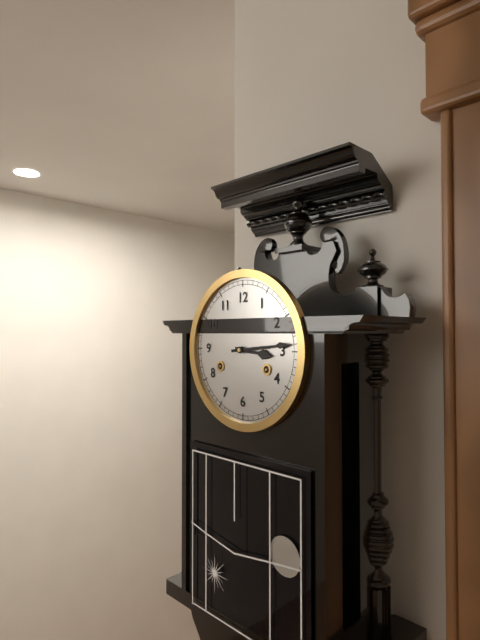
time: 3:14
